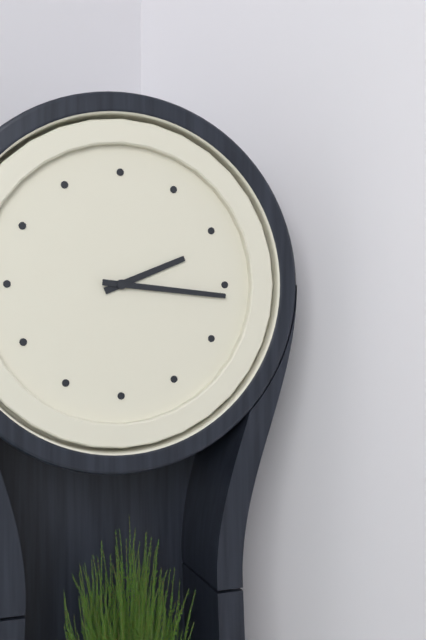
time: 2:16
